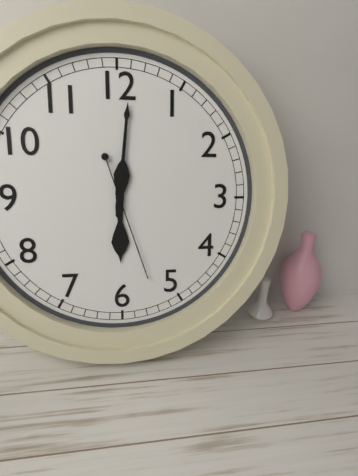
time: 6:01:27
